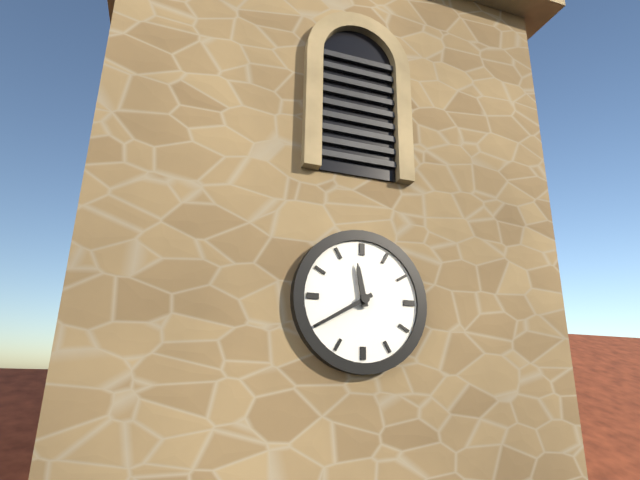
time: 11:40
